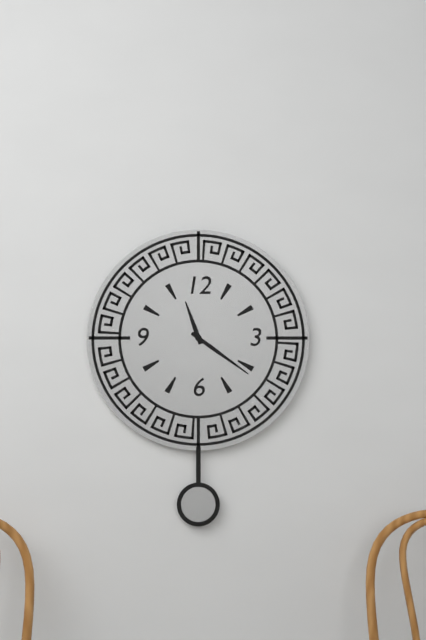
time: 11:21
